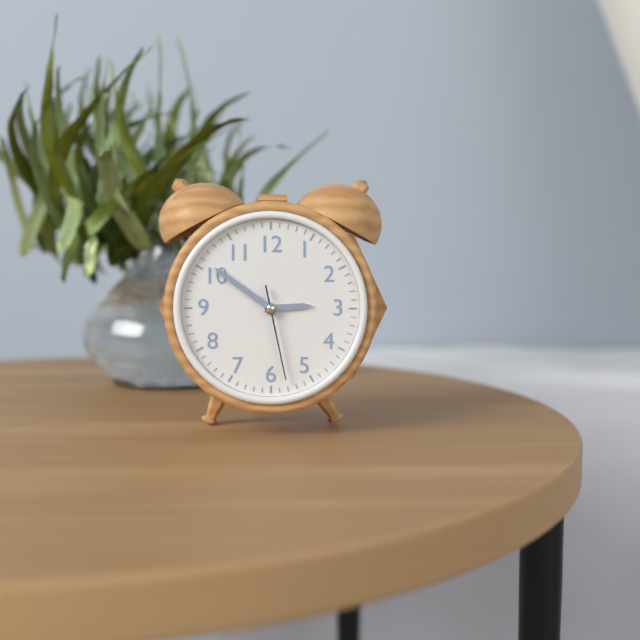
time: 2:51:28
